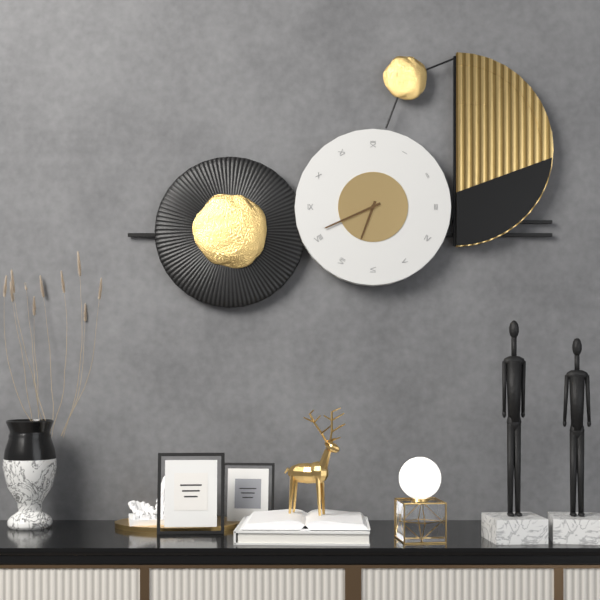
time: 6:41
